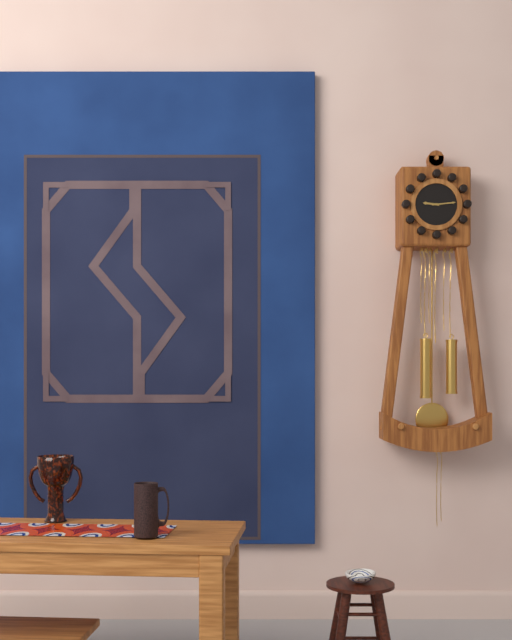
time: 9:14
